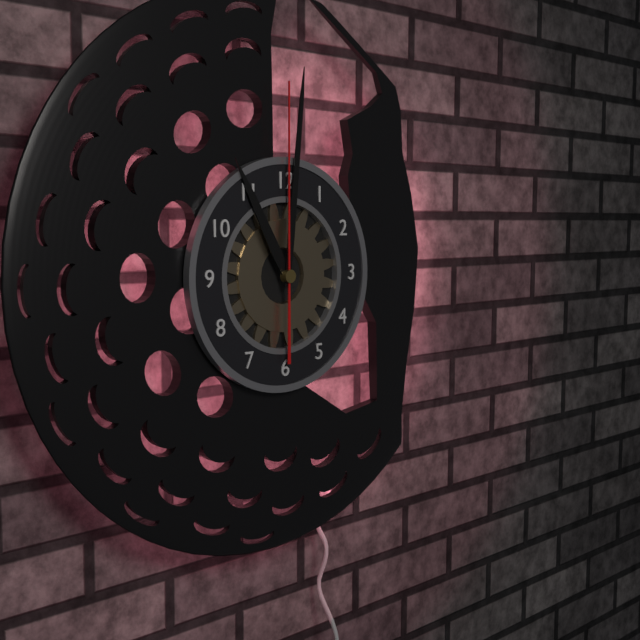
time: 11:01:00
